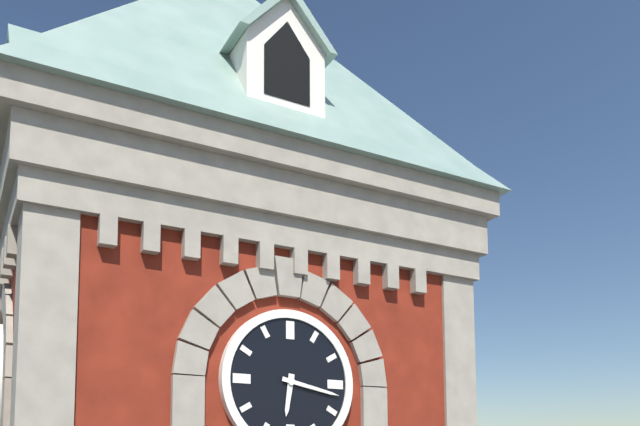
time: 6:17
